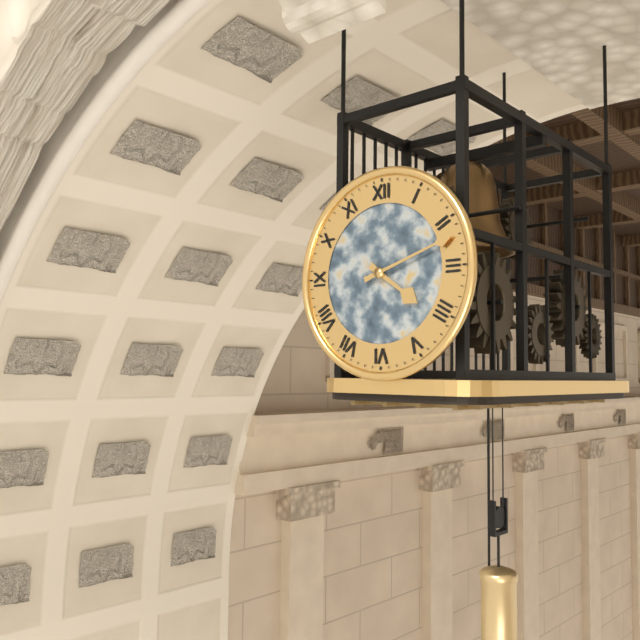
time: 4:12
